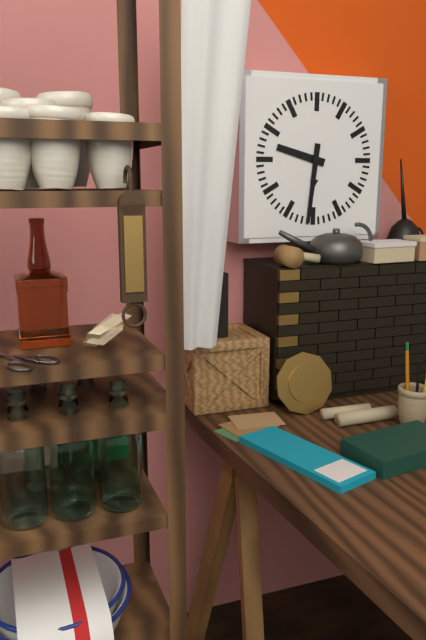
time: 9:31
